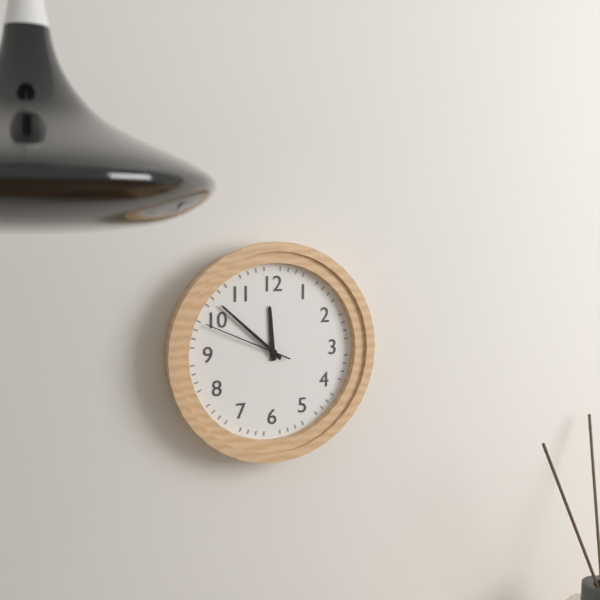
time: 11:52:49
